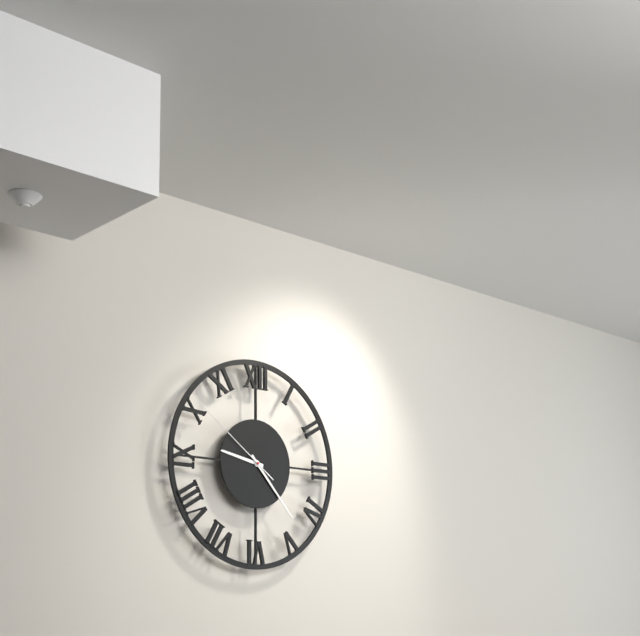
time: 9:23:51
